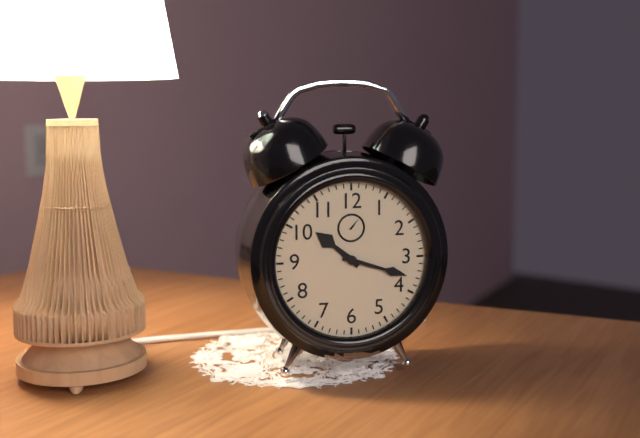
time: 10:18
